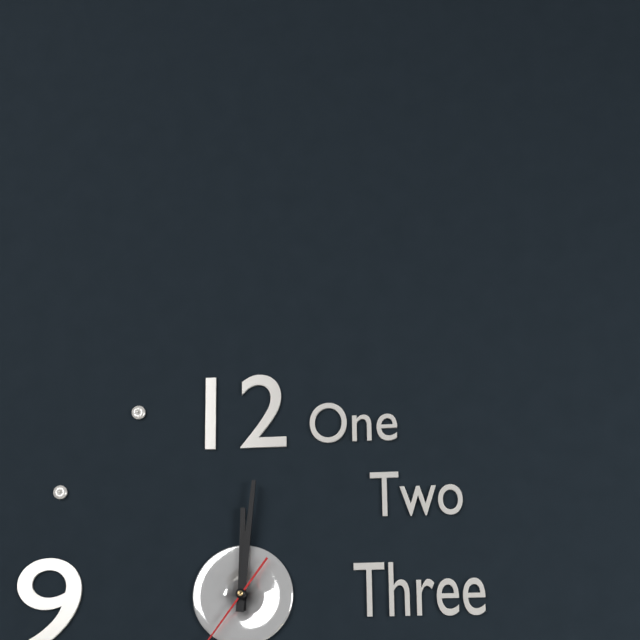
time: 12:01
